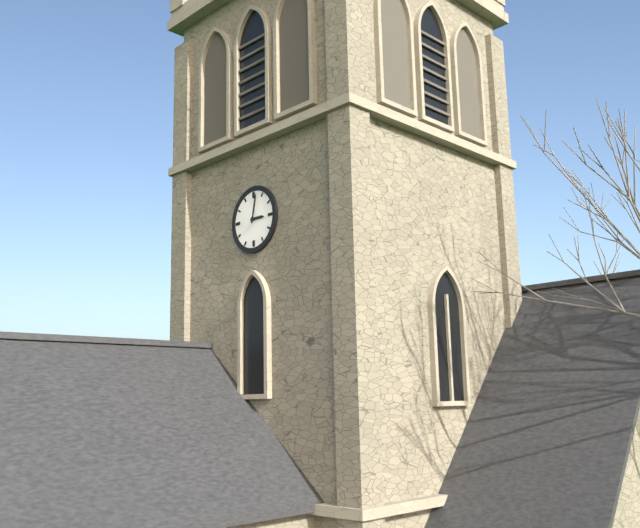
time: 3:02
